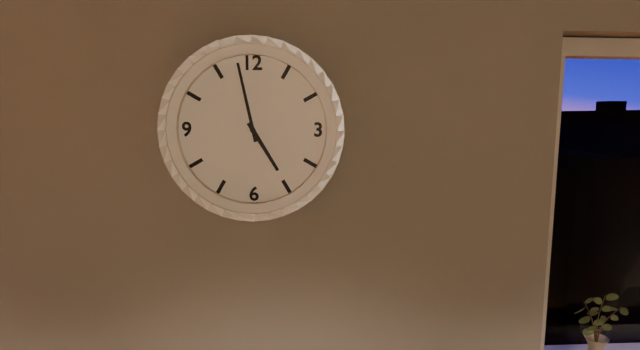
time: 4:58
